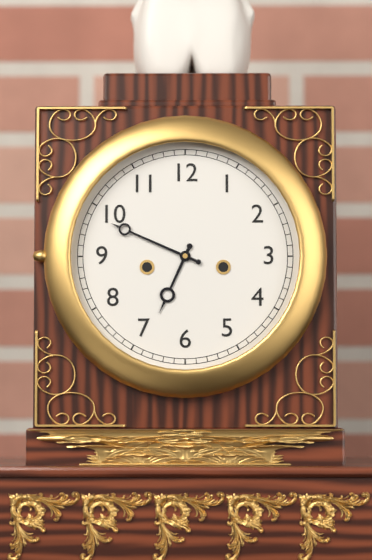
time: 6:49
